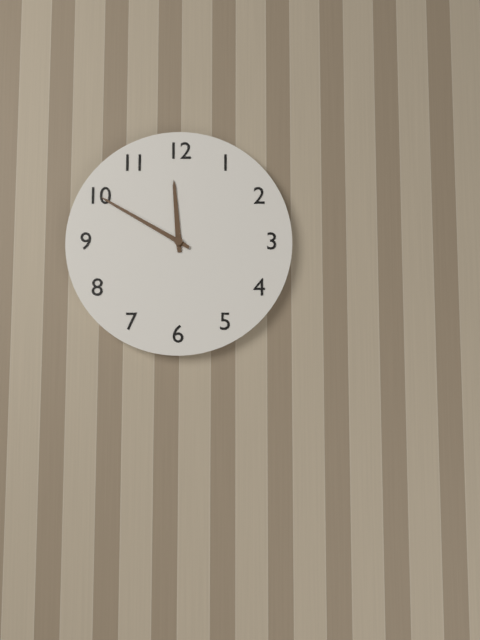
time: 11:50
